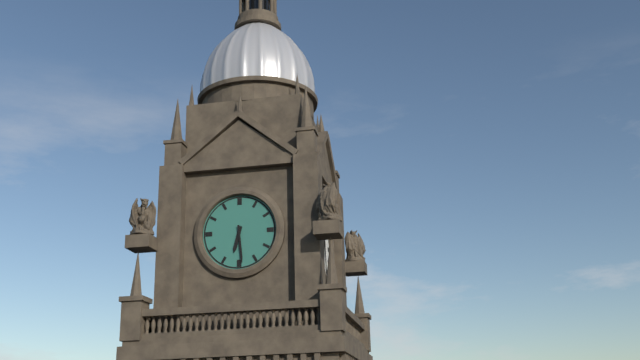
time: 6:29
